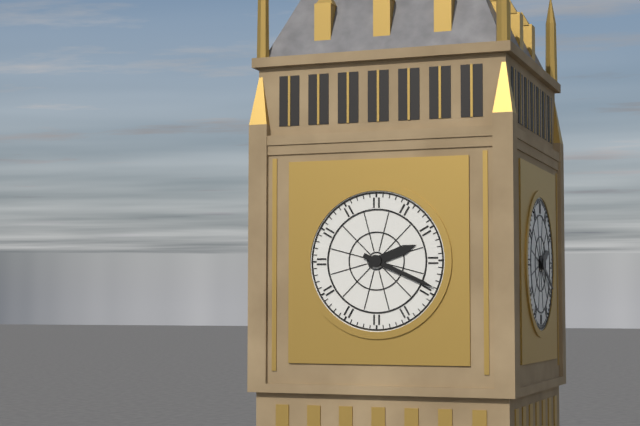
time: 2:19
